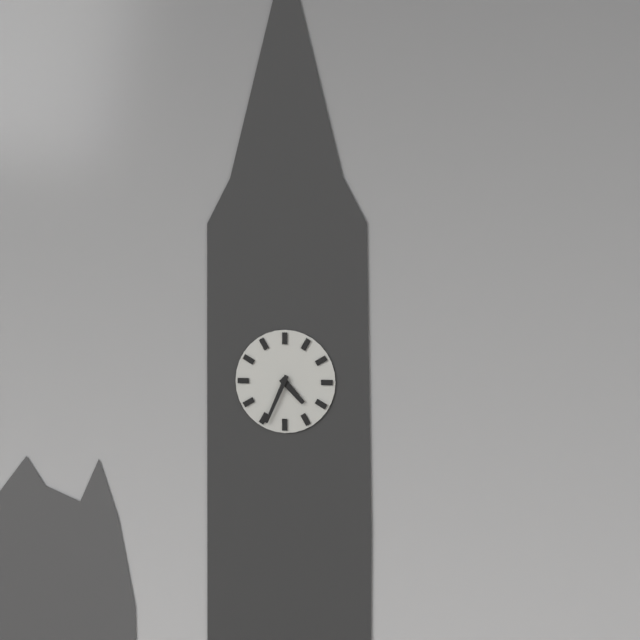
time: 4:34
